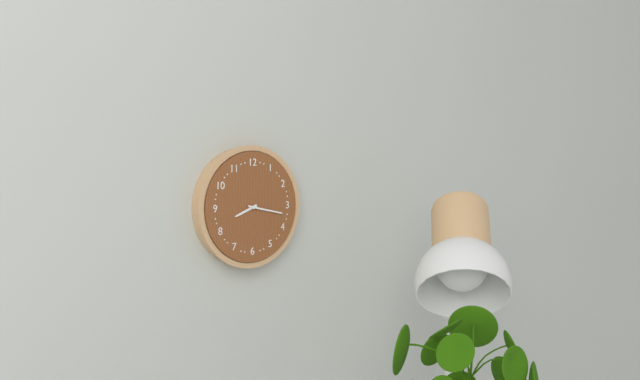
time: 8:17
